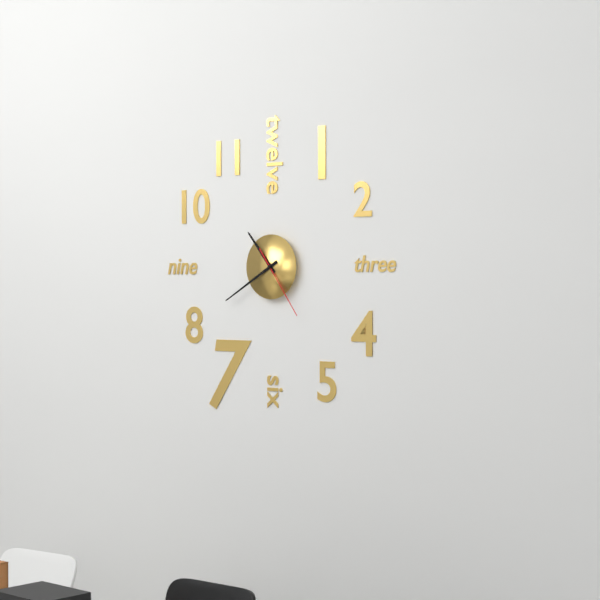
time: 10:40:24
